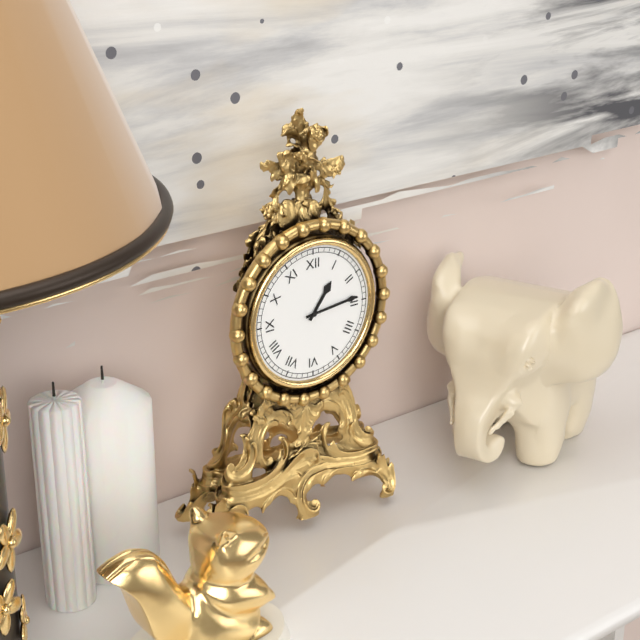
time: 1:14
